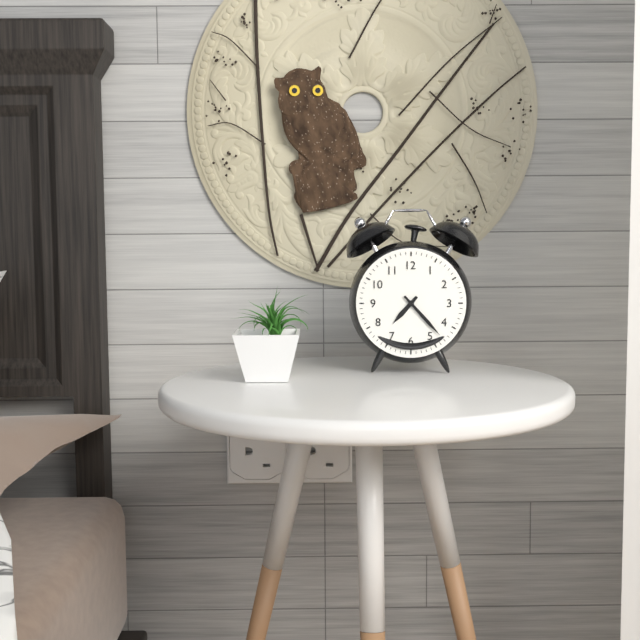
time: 7:23
